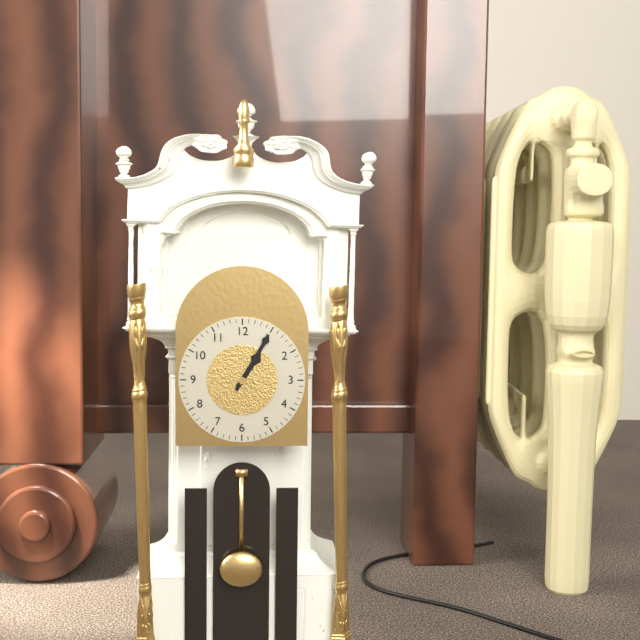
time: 1:05
